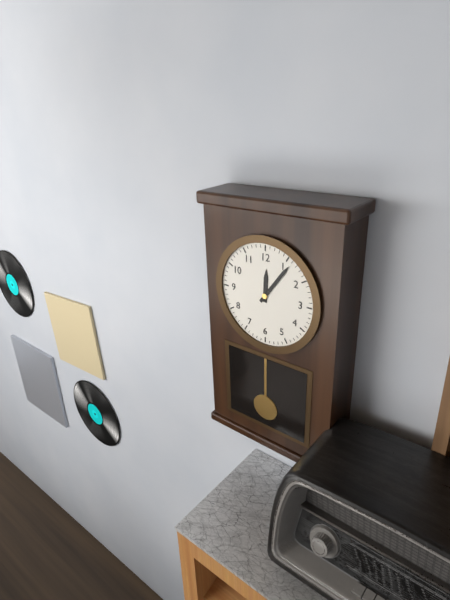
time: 12:06
